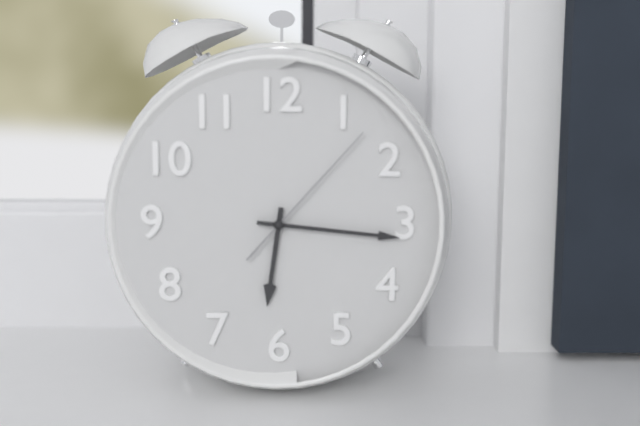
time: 6:16:07
